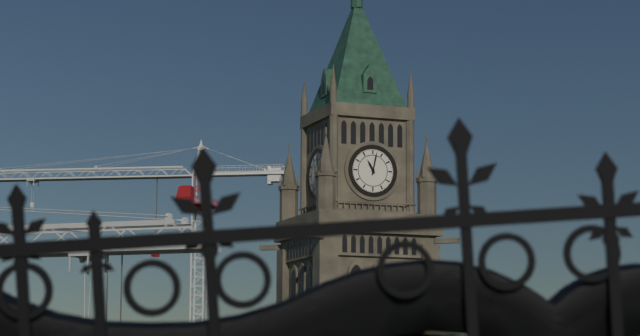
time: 11:02
